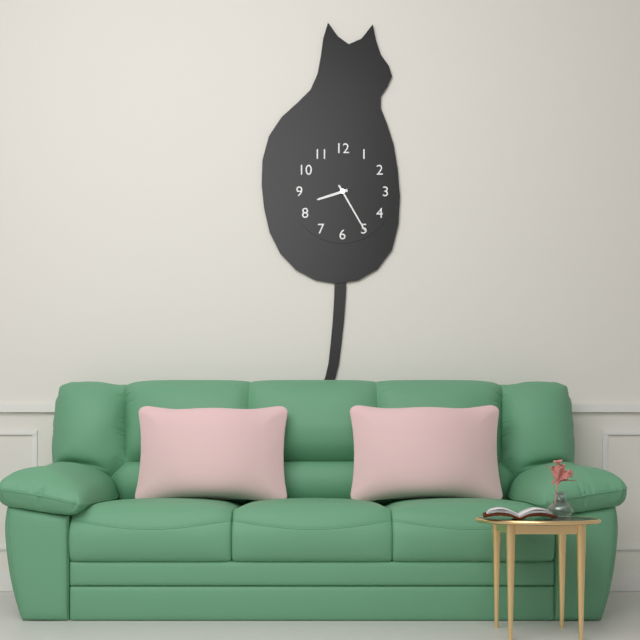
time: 8:25
